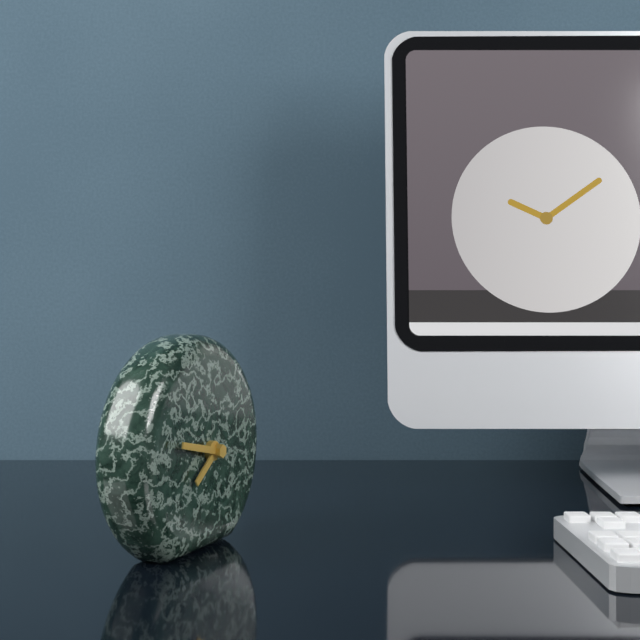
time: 7:47
